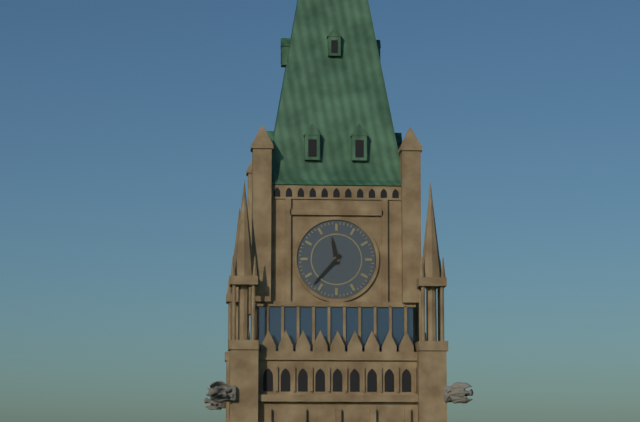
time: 11:37
